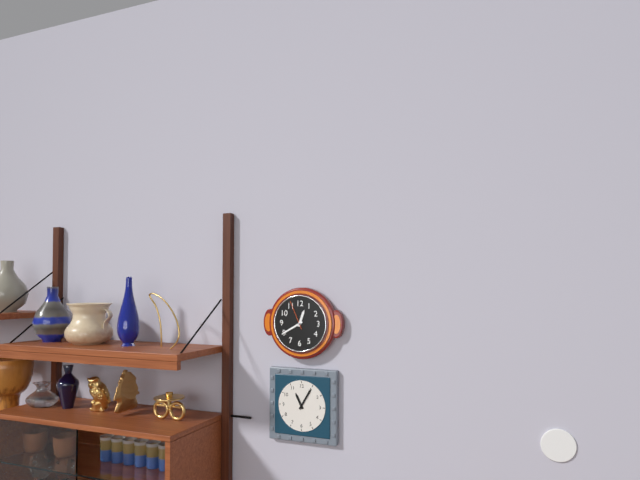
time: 12:40
